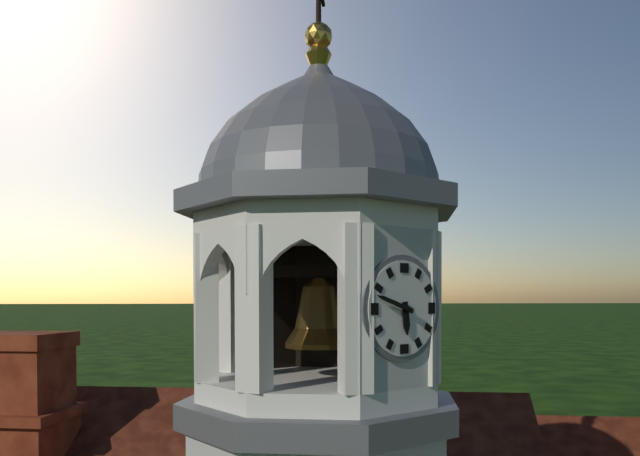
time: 5:48
